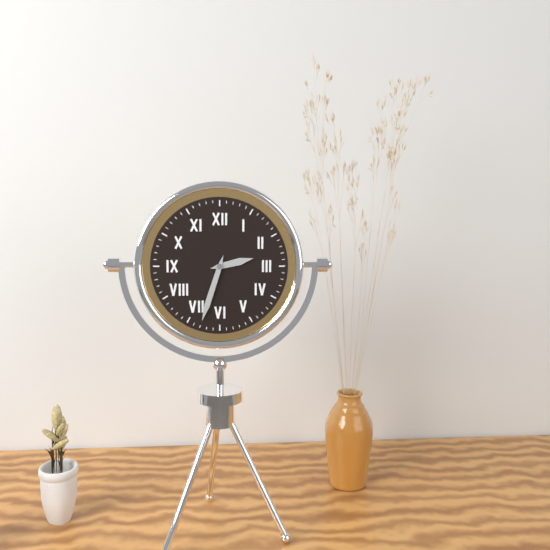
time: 2:33
